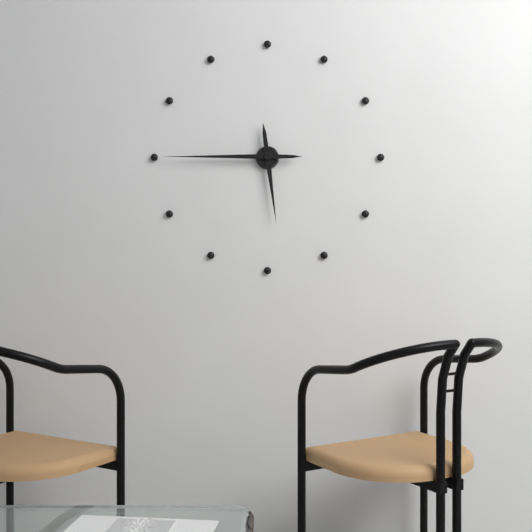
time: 5:45
